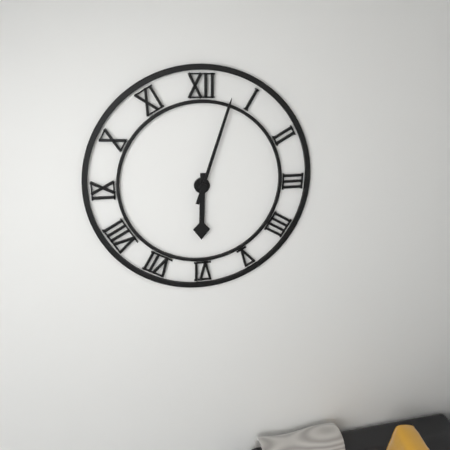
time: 6:03
